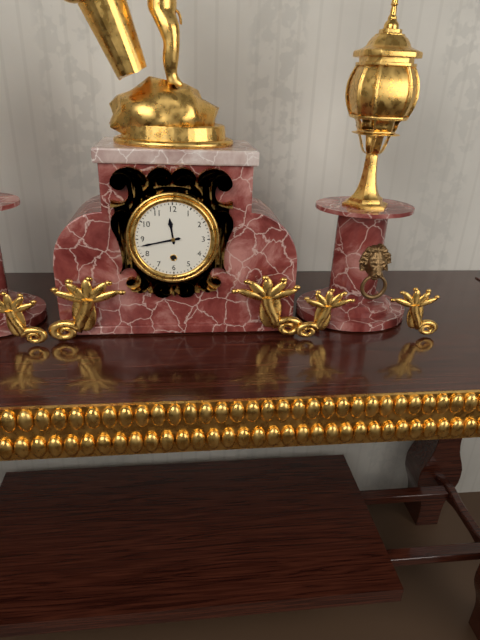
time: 11:43
